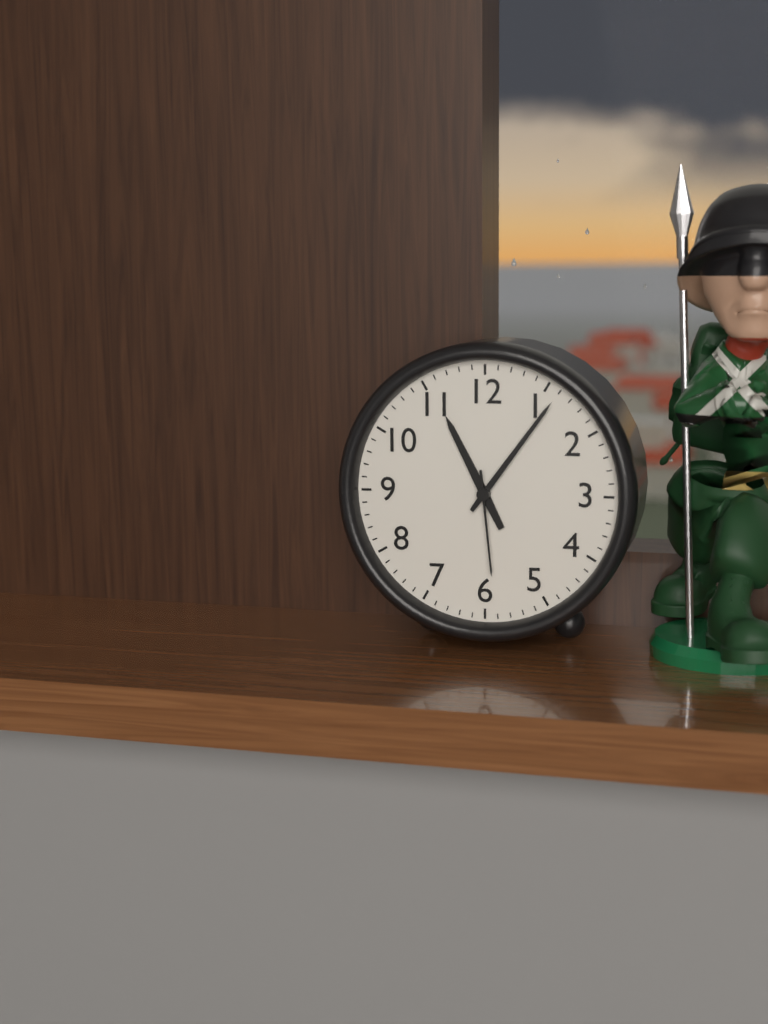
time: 11:06:29
